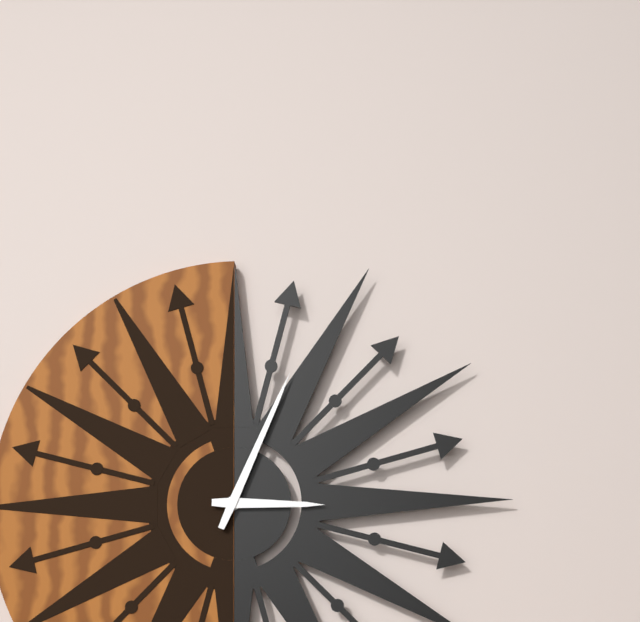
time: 3:04
